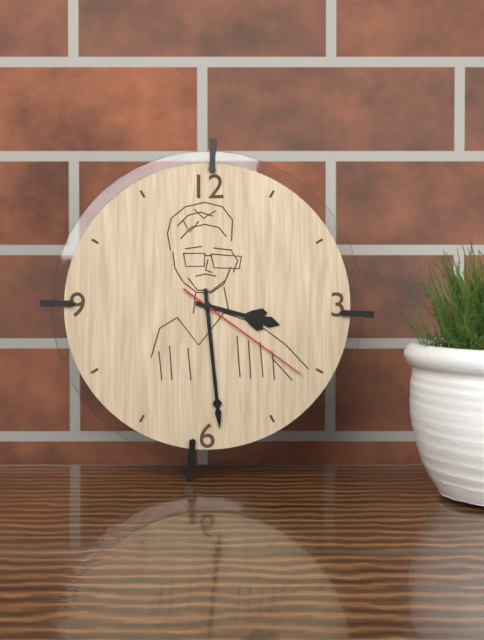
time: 3:29:21
